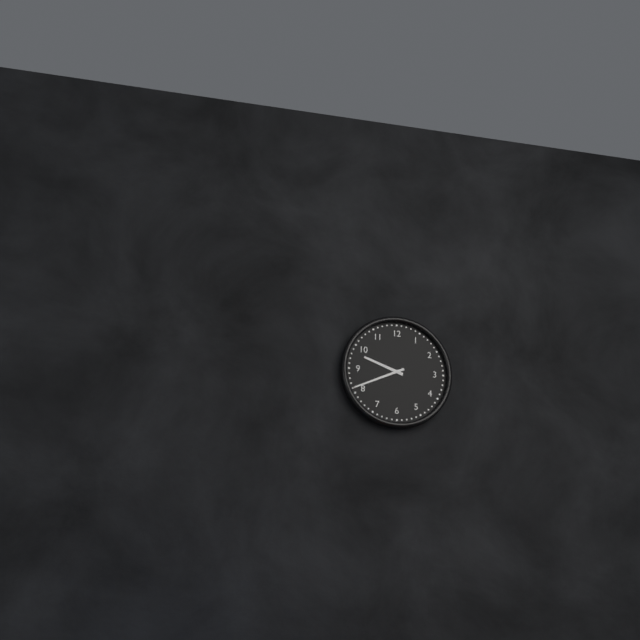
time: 9:41
